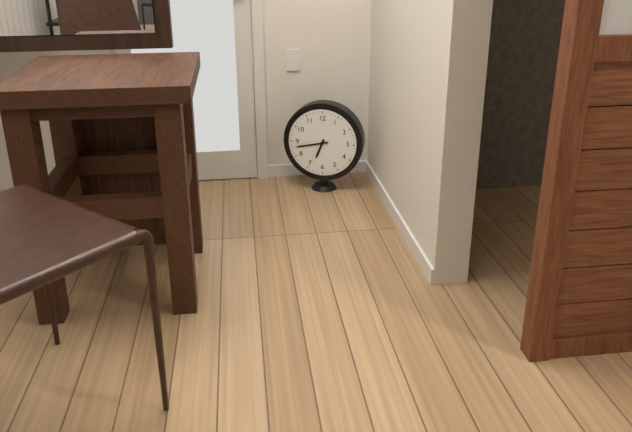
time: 6:43
